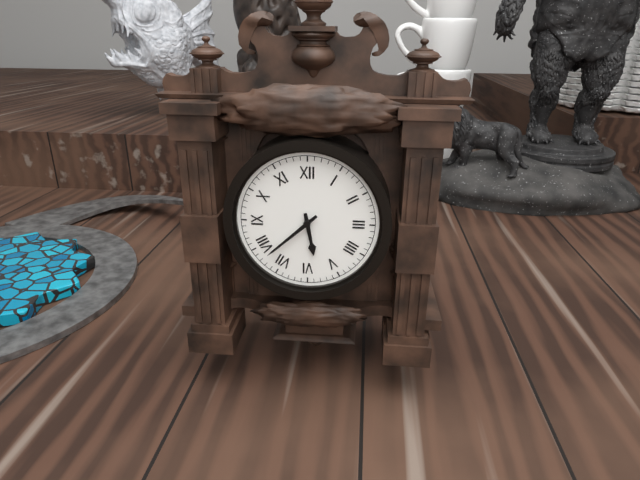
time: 5:38
